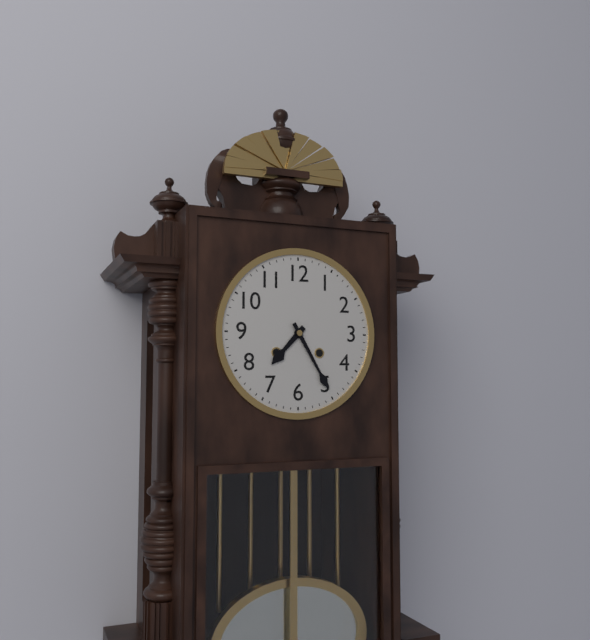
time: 7:25
